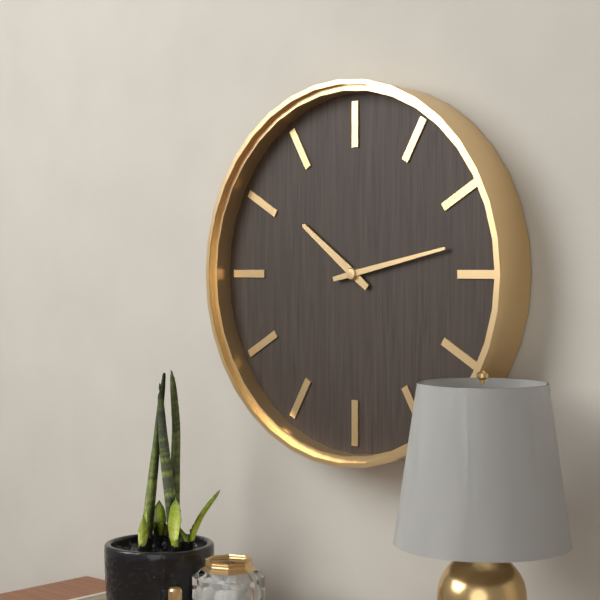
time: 10:13
